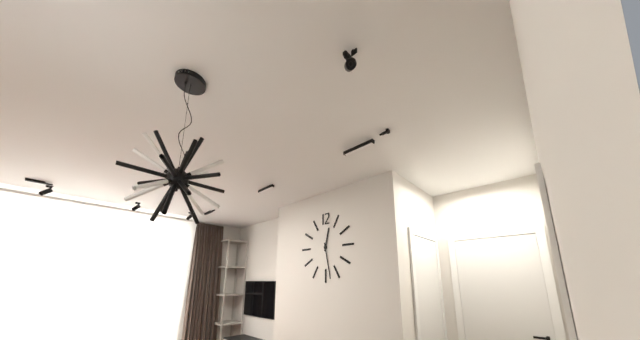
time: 12:28
